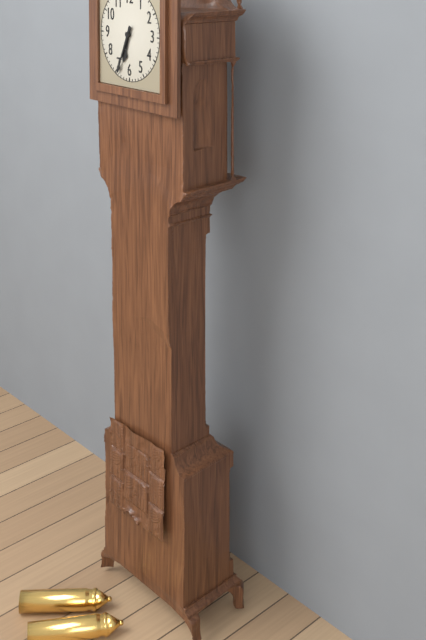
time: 6:34
